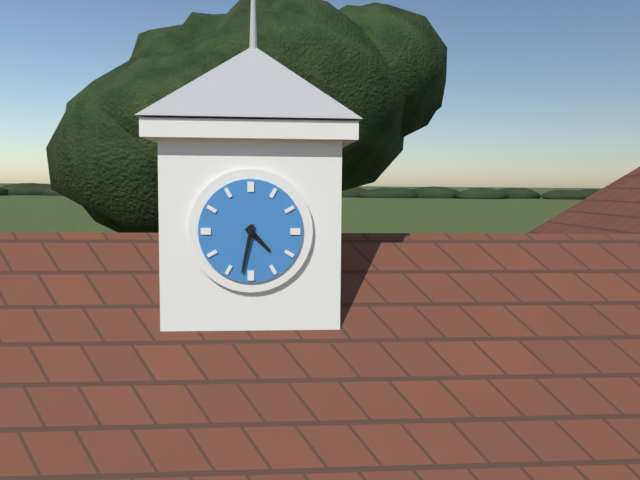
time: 4:32
